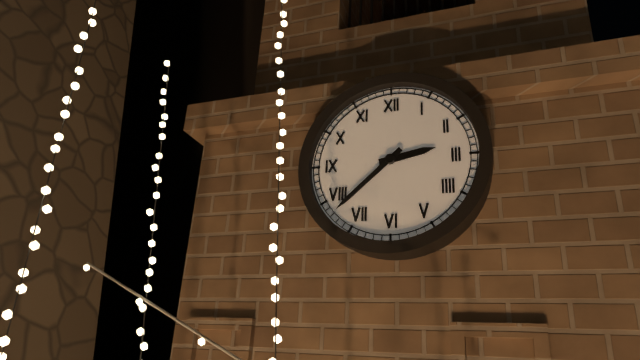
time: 2:38
